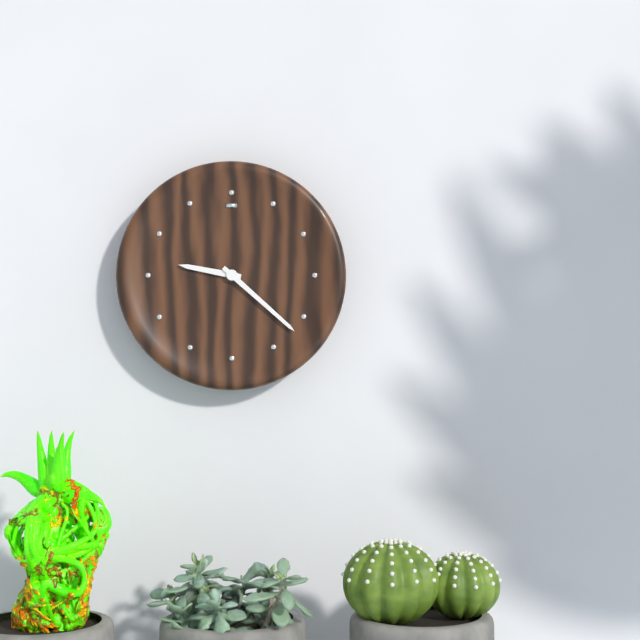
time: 9:22
